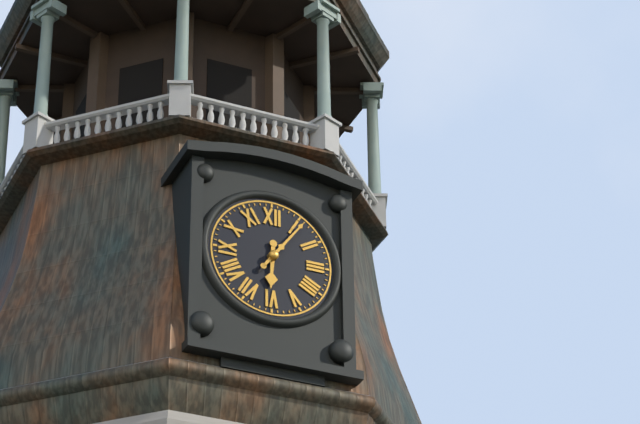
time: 6:06
